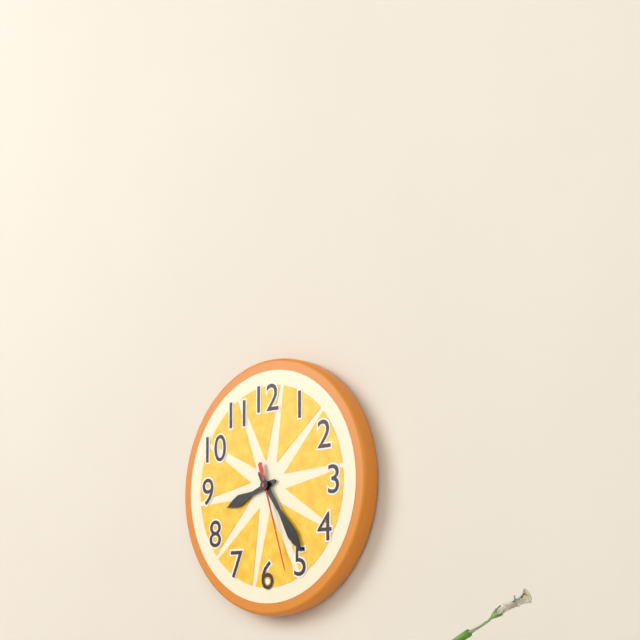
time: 8:24:27
